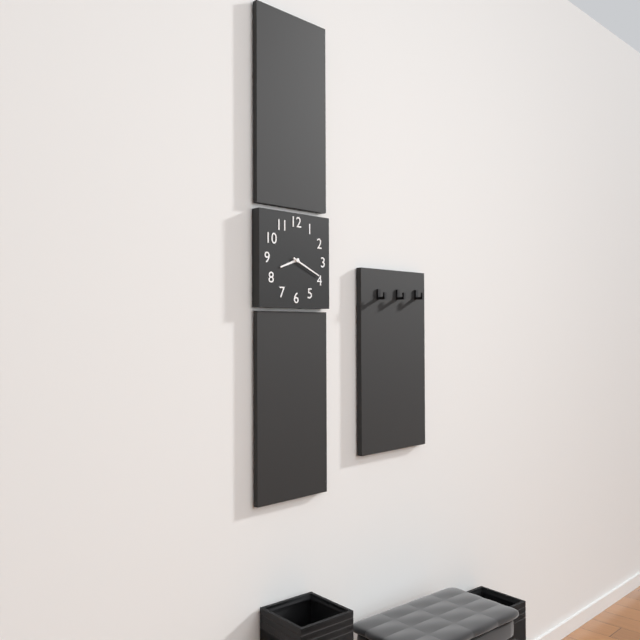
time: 8:19
